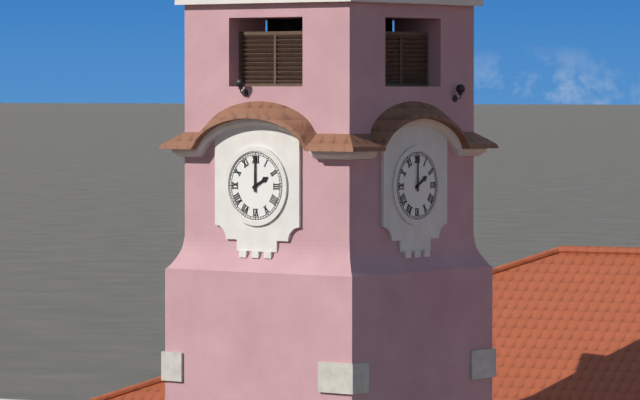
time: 2:00
